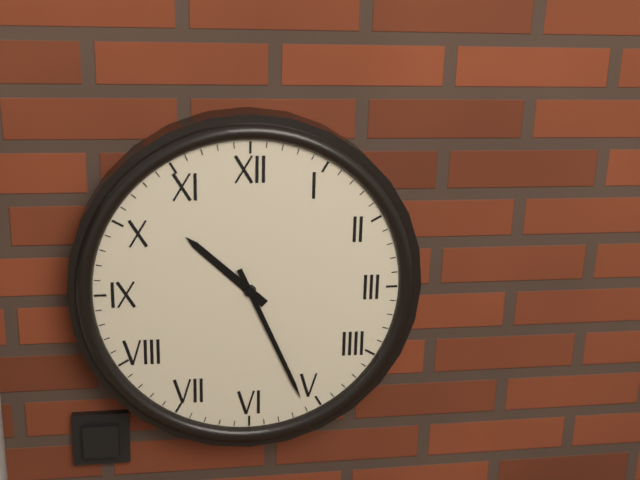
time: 10:26
